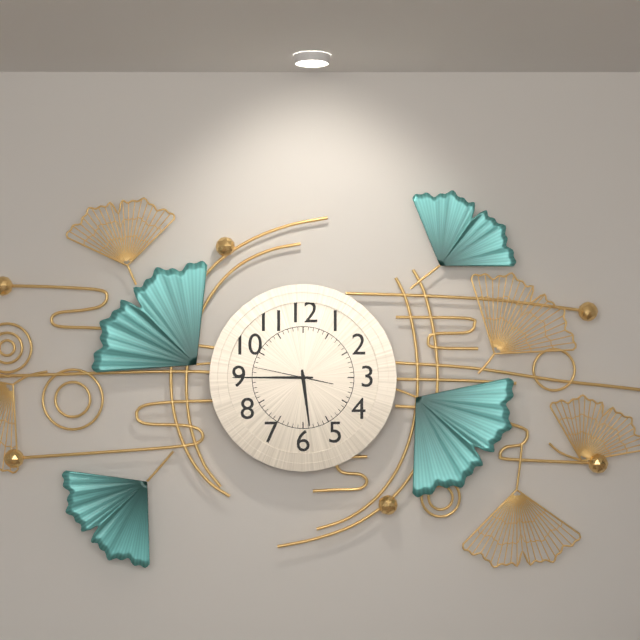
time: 5:45:47
